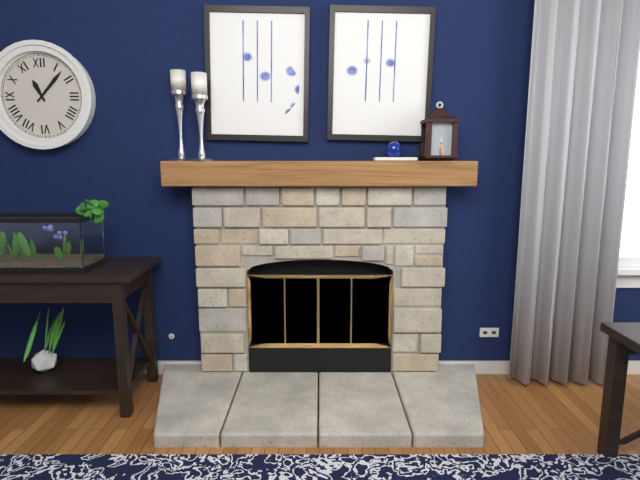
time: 11:07
